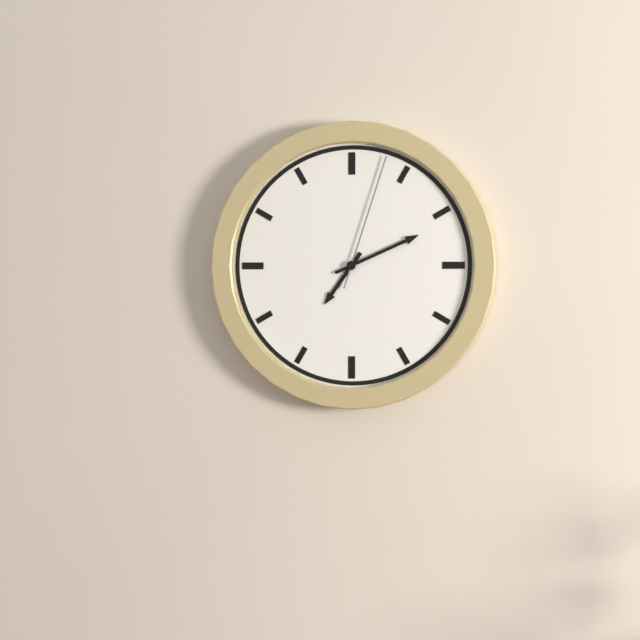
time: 7:11:03
